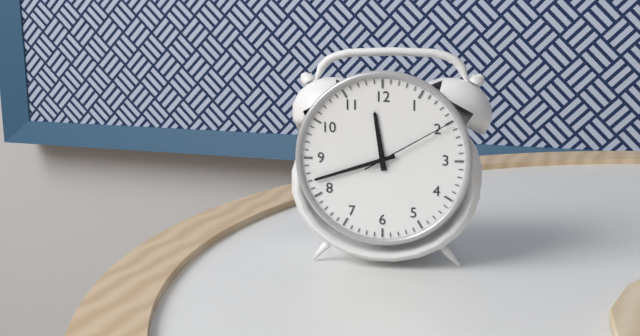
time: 11:42:10
